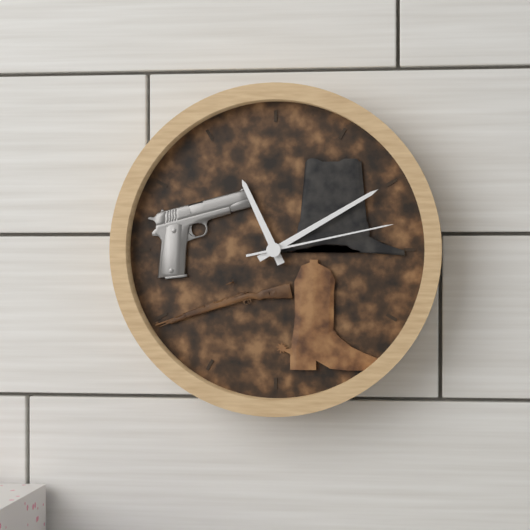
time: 11:10:13
